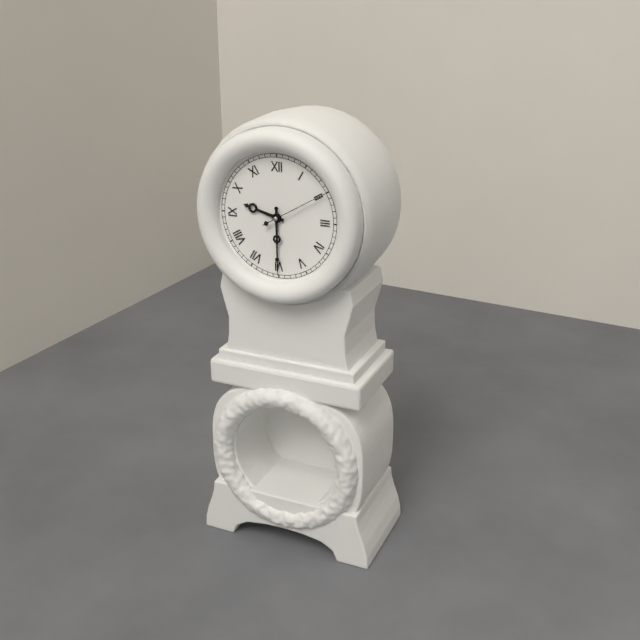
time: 9:30:10
